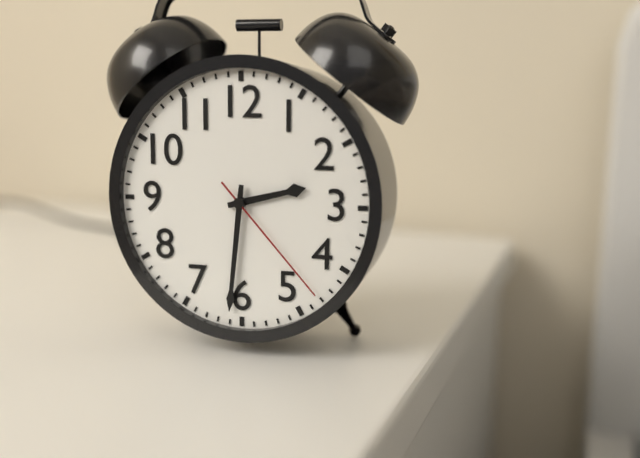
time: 2:31:23
